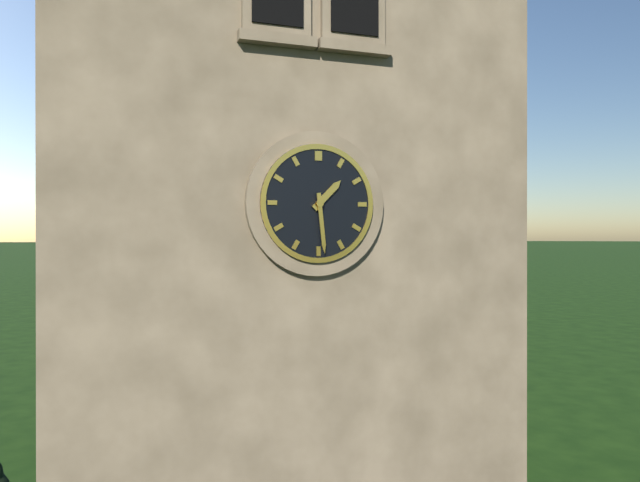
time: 1:29
